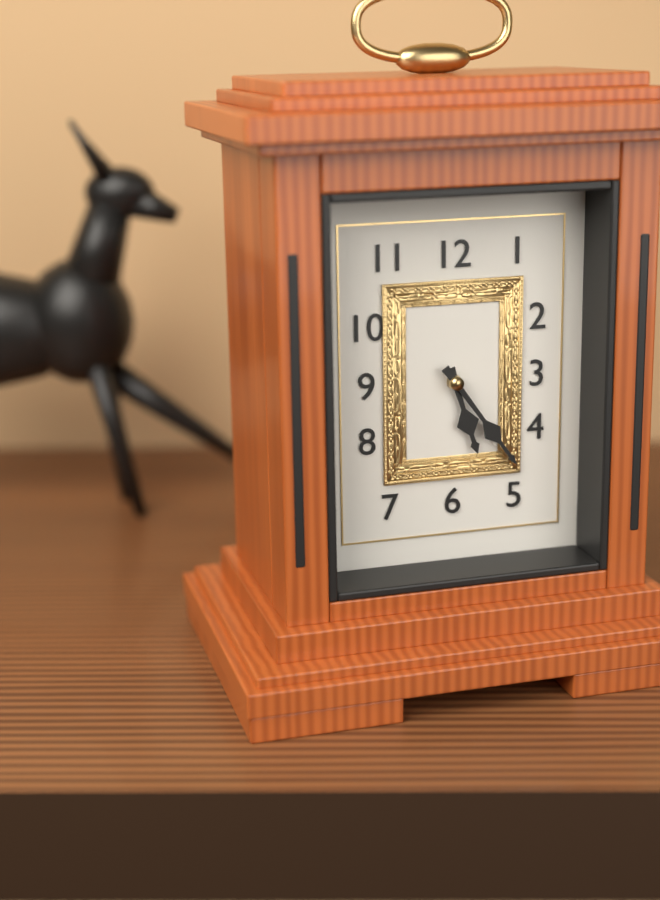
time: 5:24
